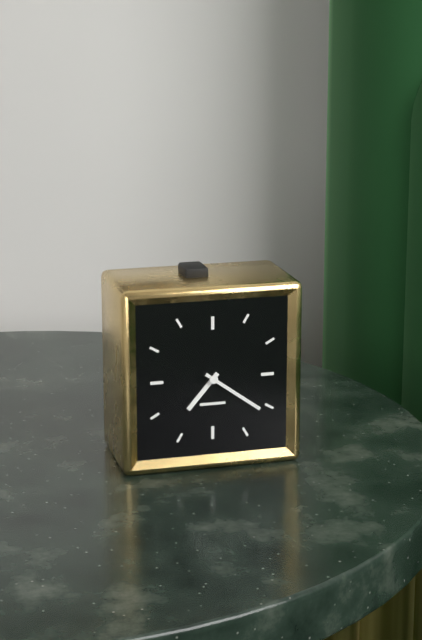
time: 7:21
